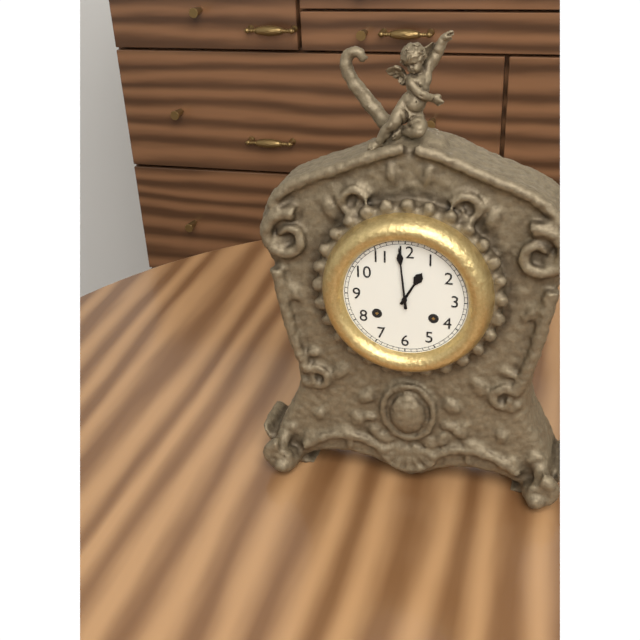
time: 12:59
